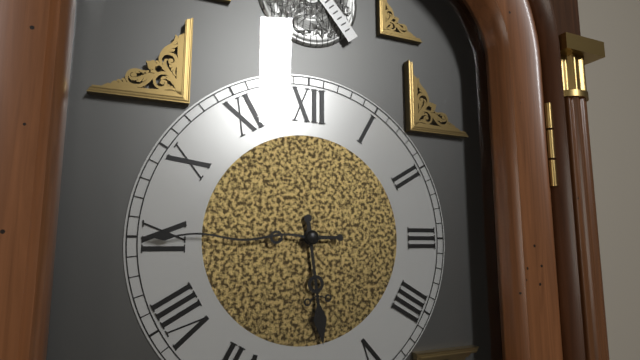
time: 5:45
